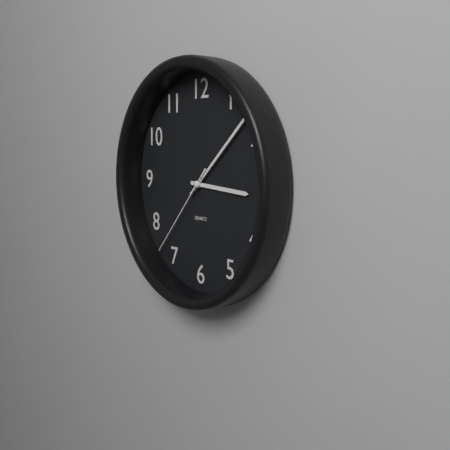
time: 3:08:37
